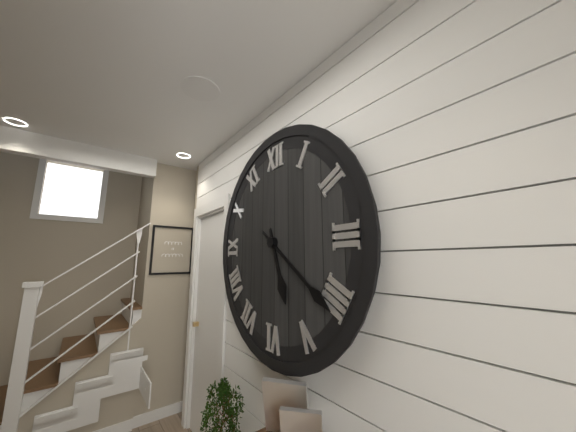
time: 5:21
